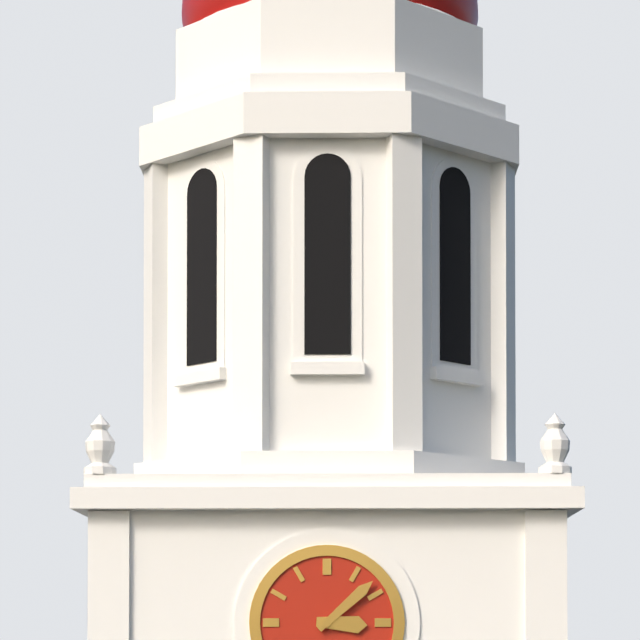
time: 3:08
